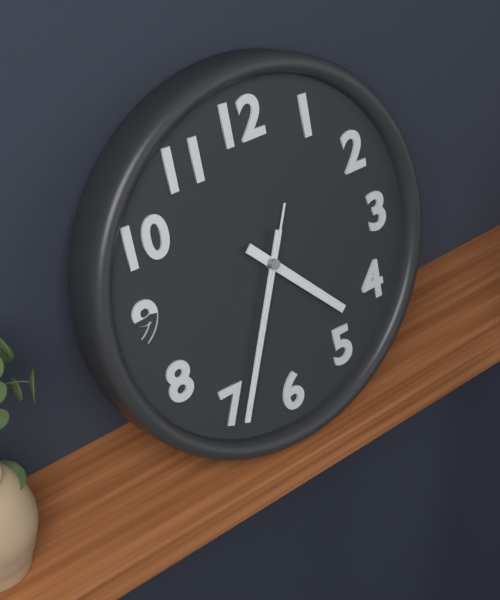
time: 4:34:34
